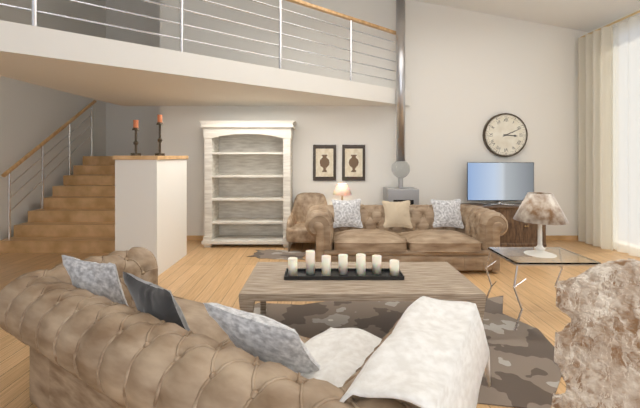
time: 3:11
